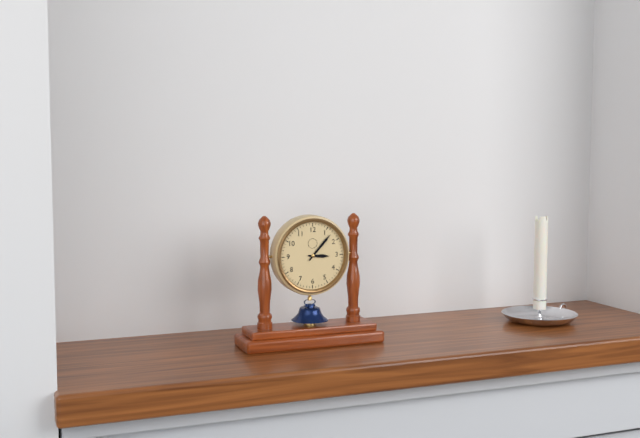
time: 3:07
